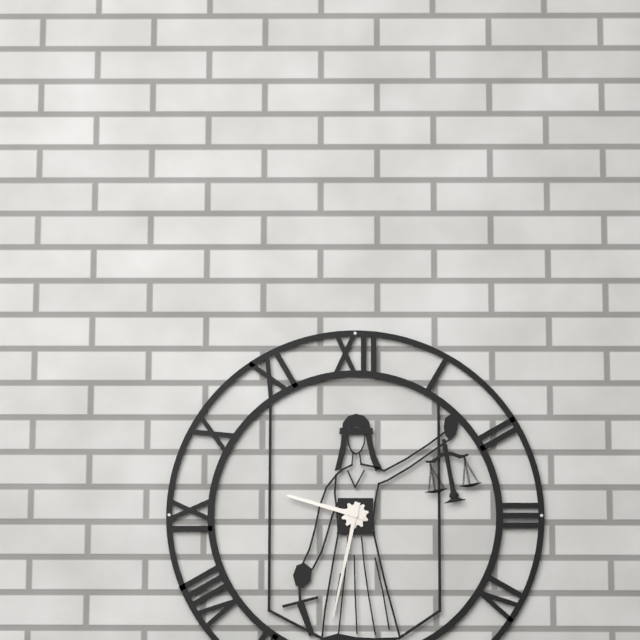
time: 9:32
